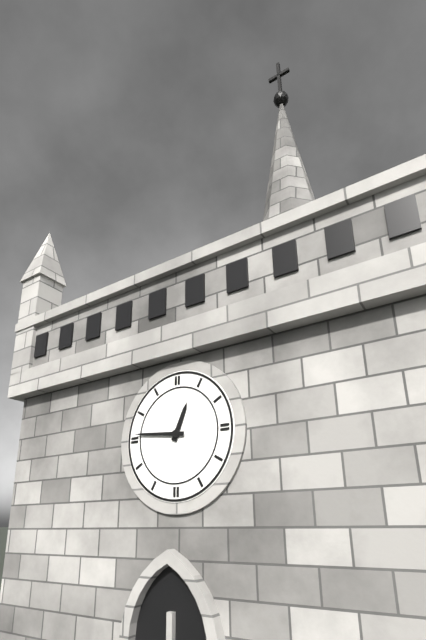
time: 12:46
